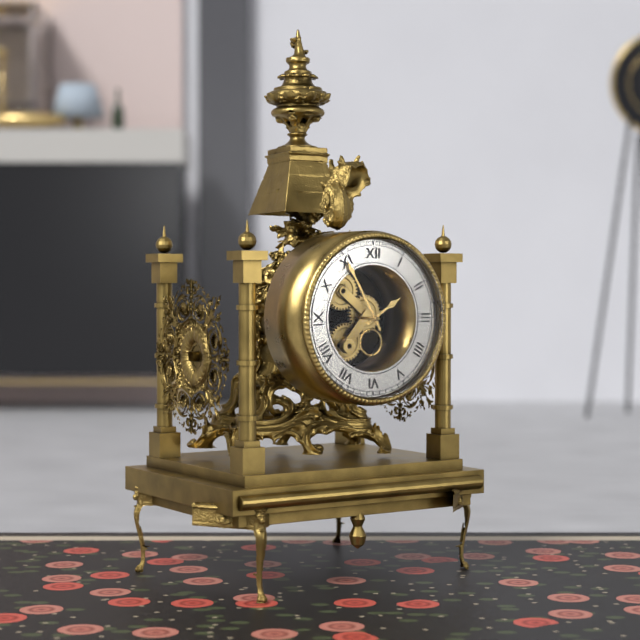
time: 1:55
